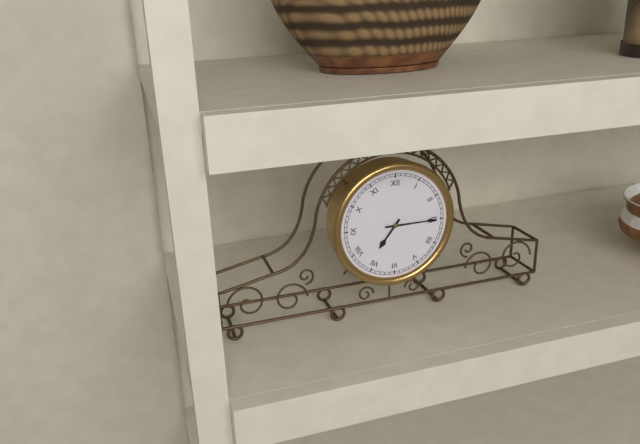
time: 7:15
